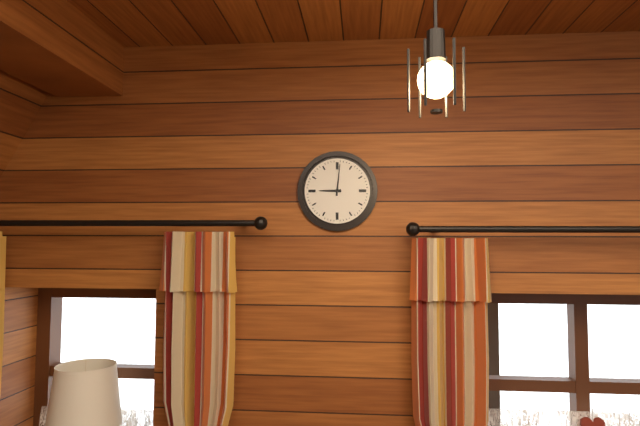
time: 9:01
